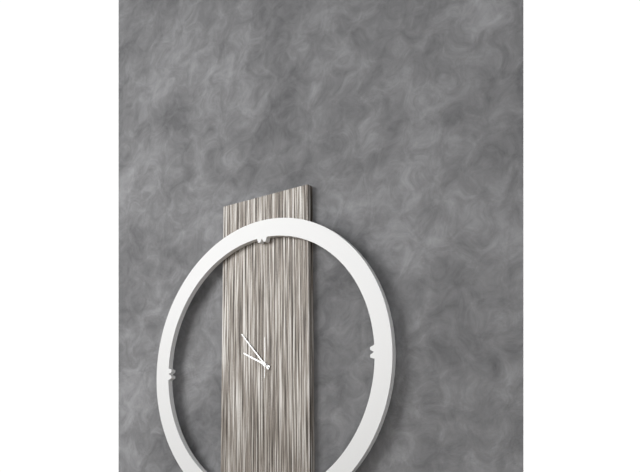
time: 9:53
